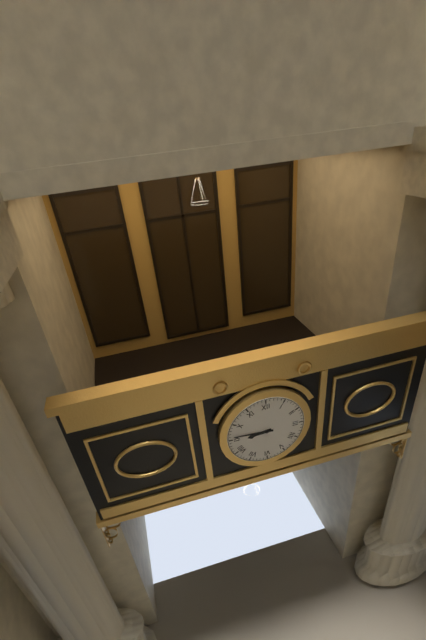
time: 8:46
